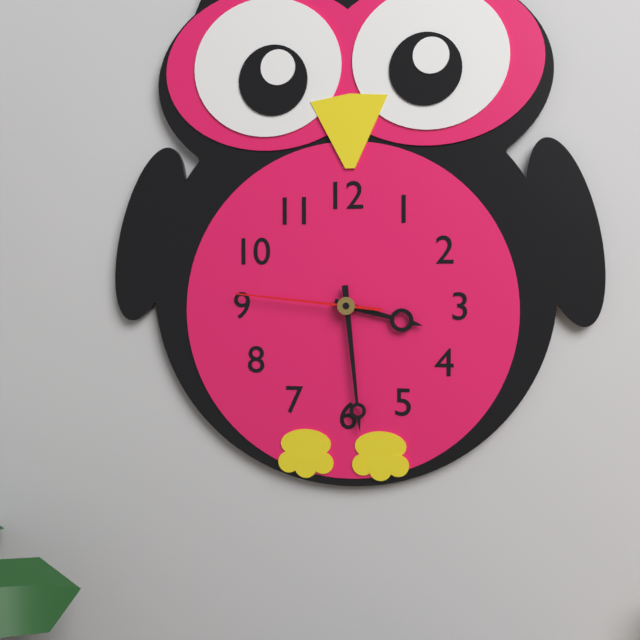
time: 3:29:46
